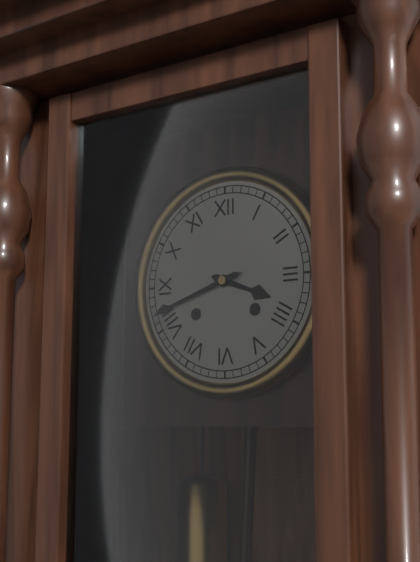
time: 3:42
